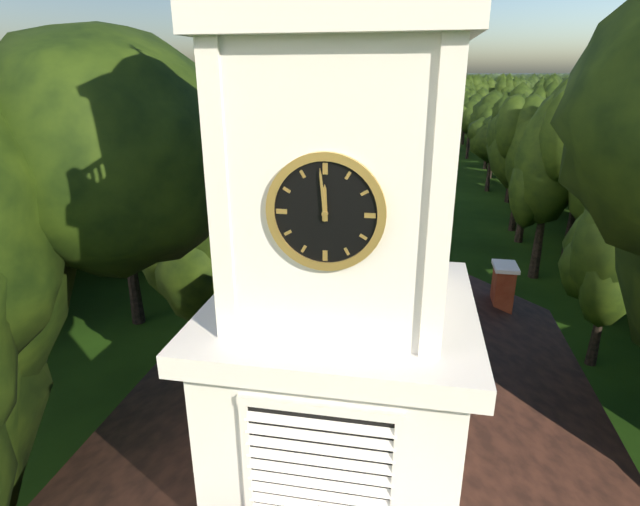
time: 11:59
